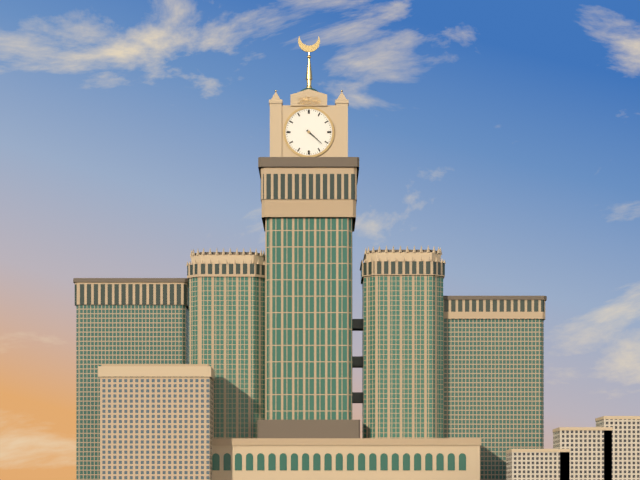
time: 4:22
